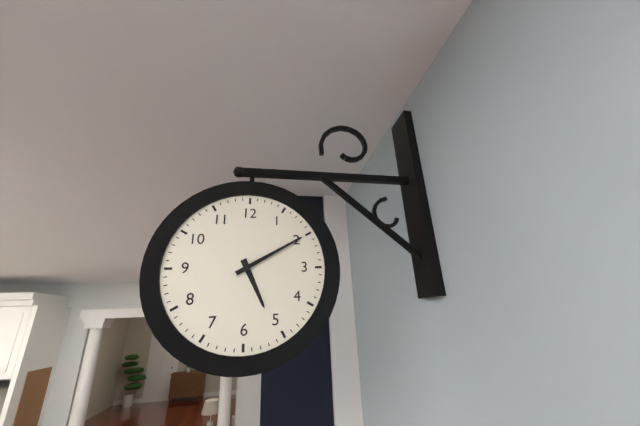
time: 5:10
